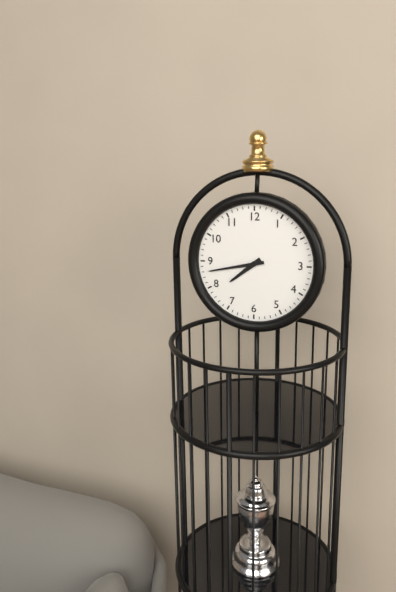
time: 7:43
